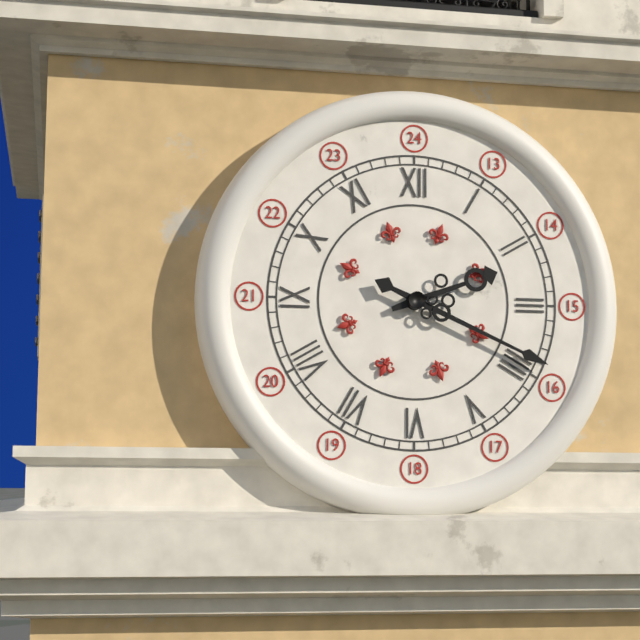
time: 2:19
